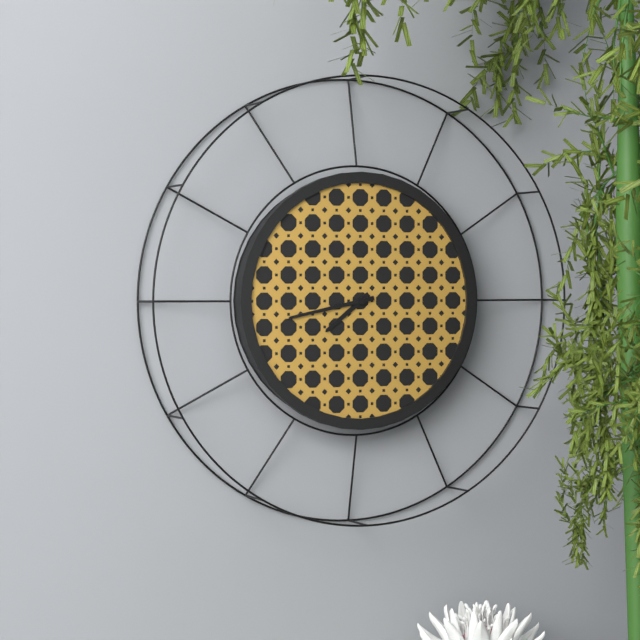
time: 7:43
